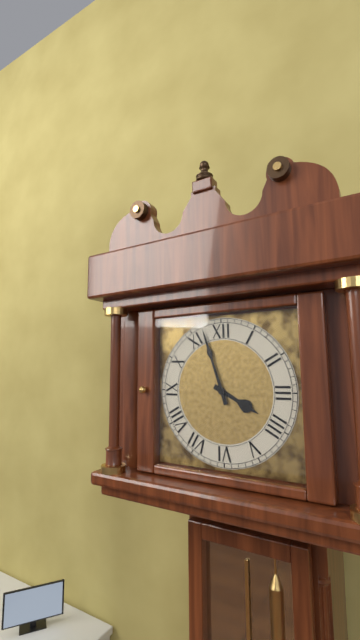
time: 3:57
